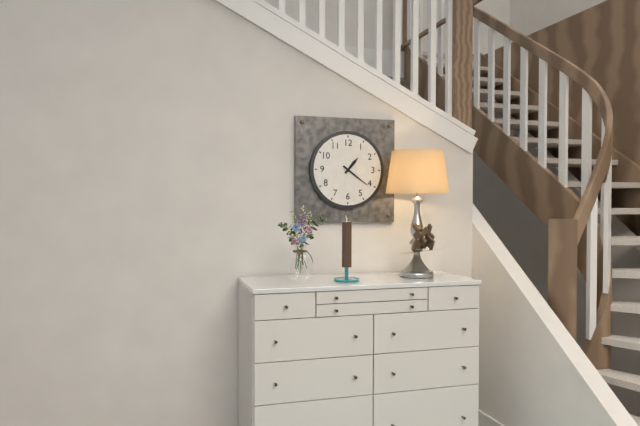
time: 1:21
